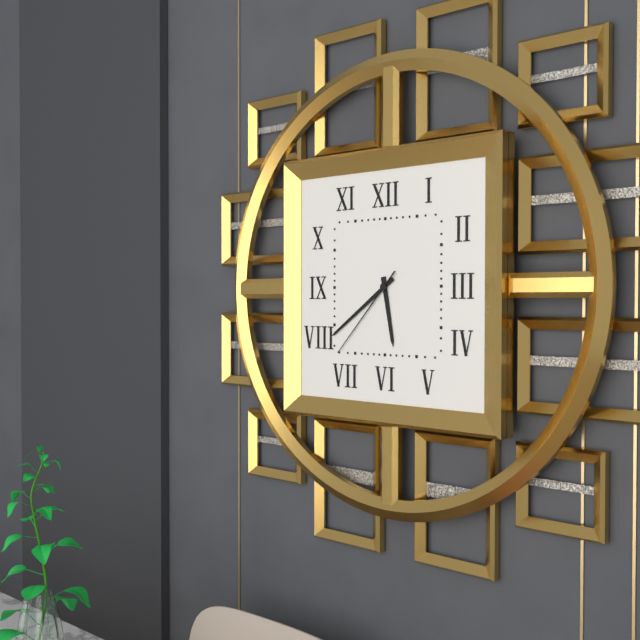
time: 5:39:37
